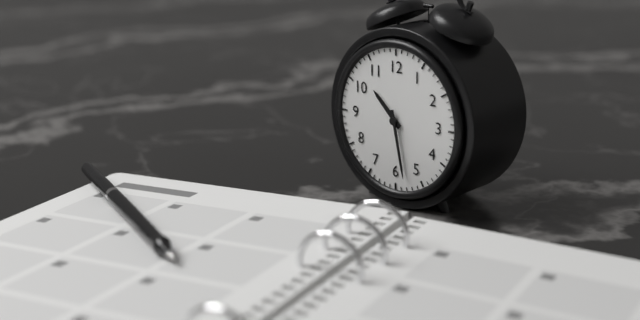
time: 10:28
